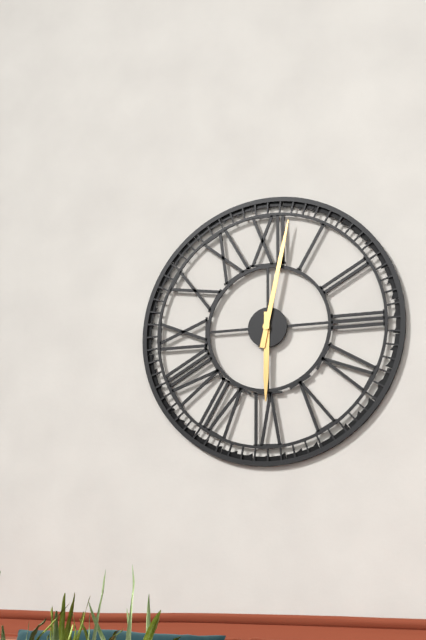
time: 6:02
